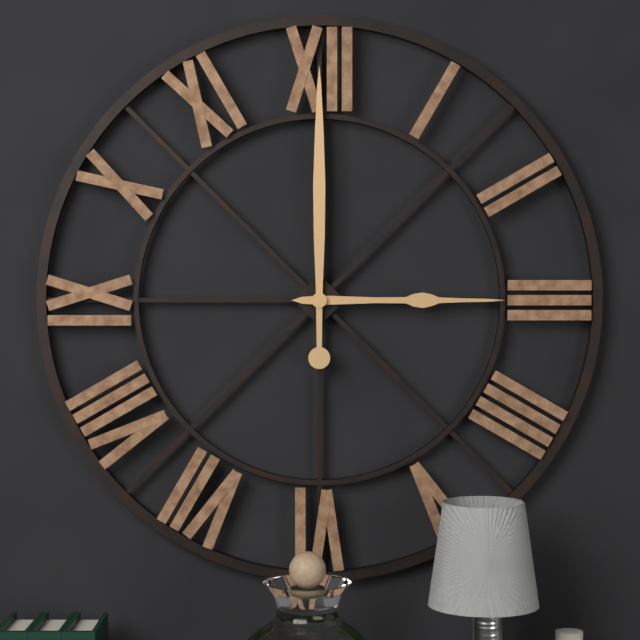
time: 3:00
